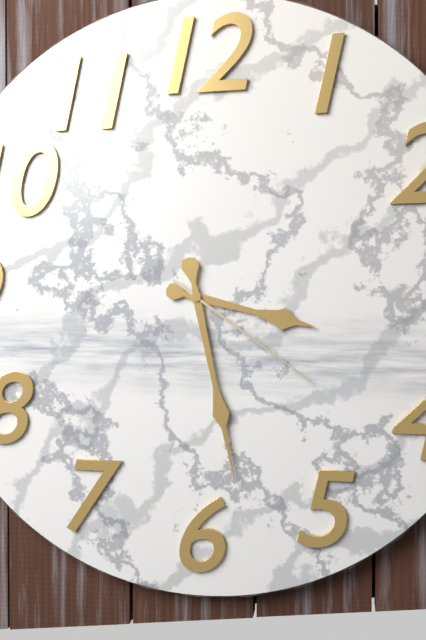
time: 3:28:21
